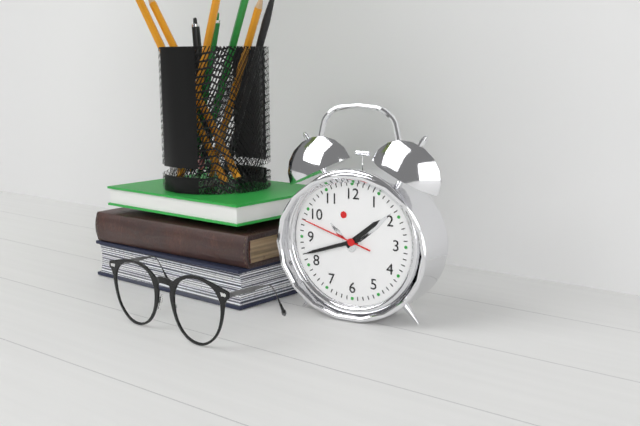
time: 1:42:48
